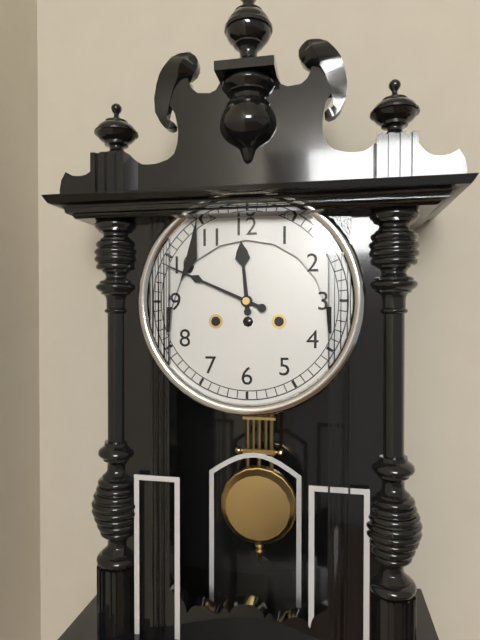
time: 11:49
